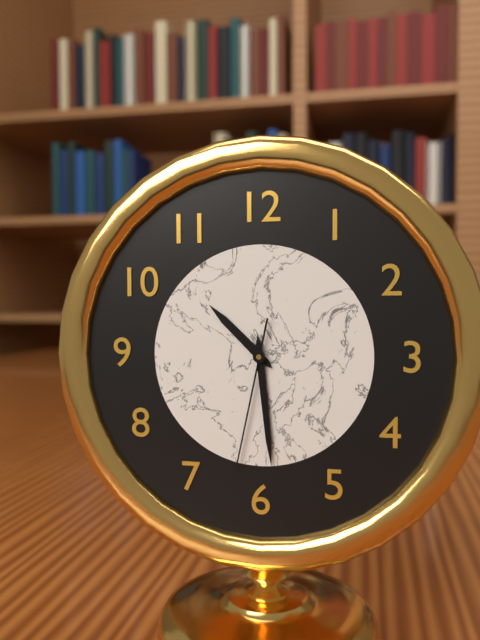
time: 10:29:32
